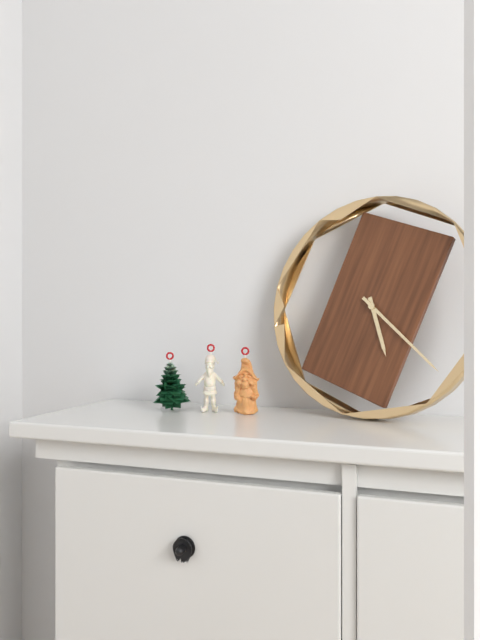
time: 5:22
